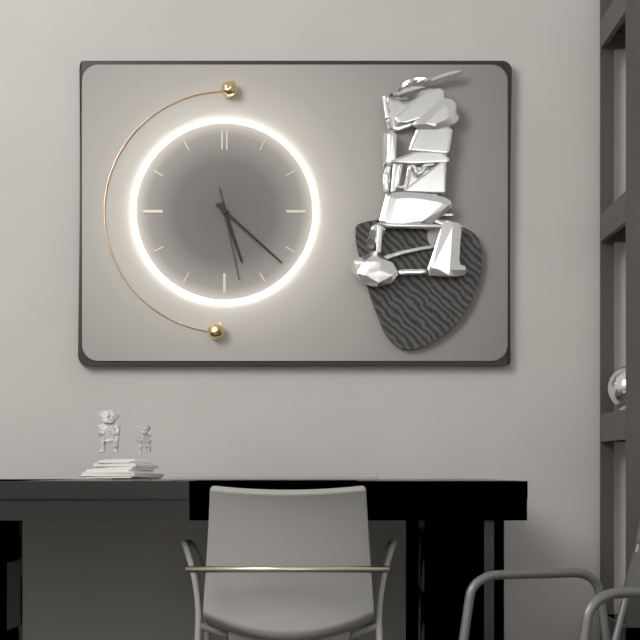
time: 5:22:28
